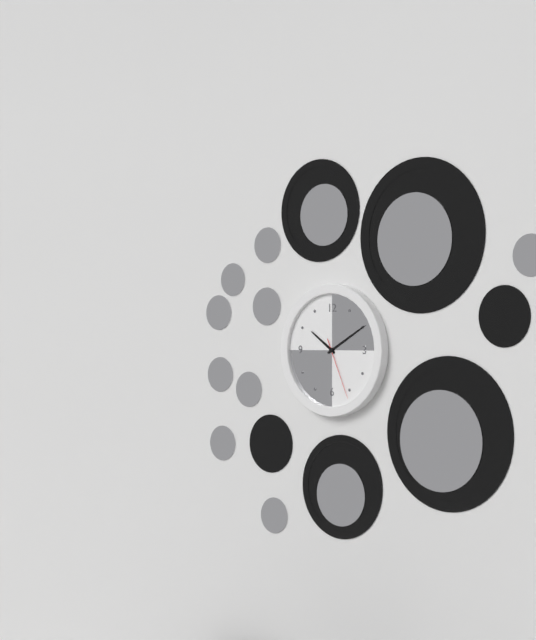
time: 10:10:26
